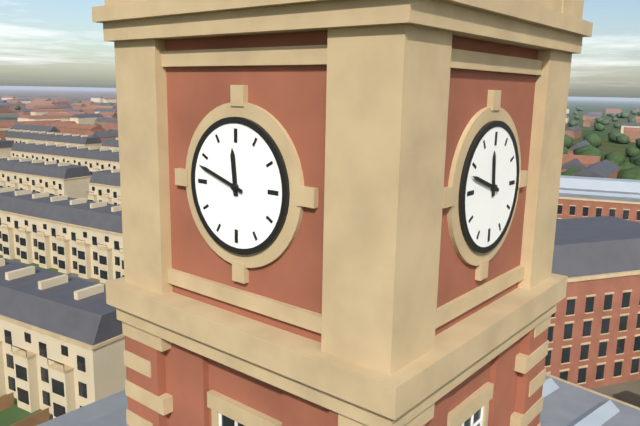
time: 11:48
